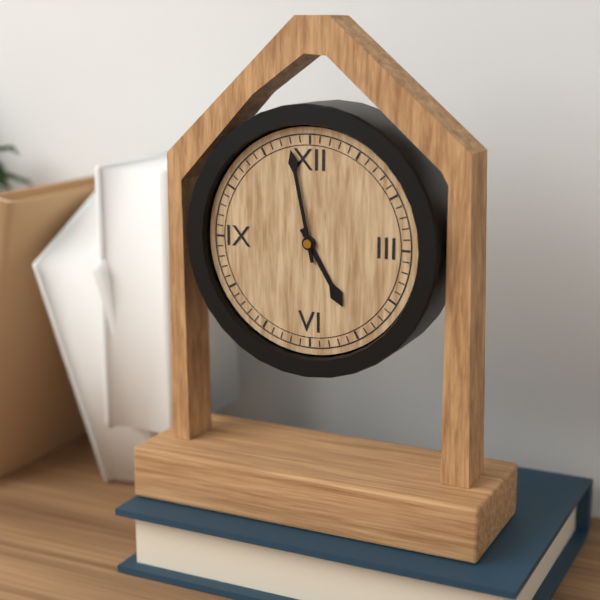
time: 4:58
